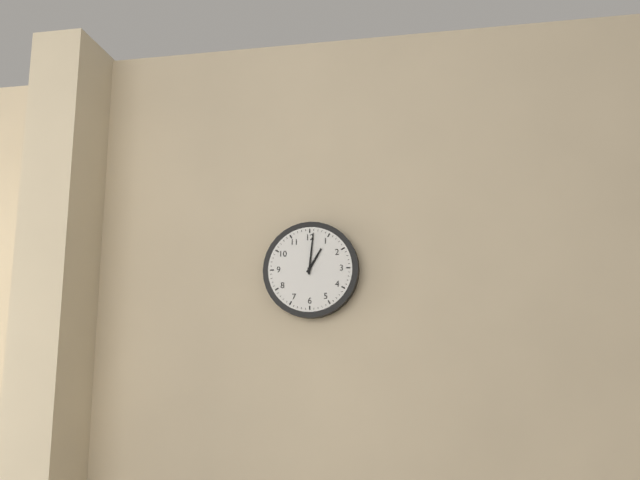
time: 1:01
